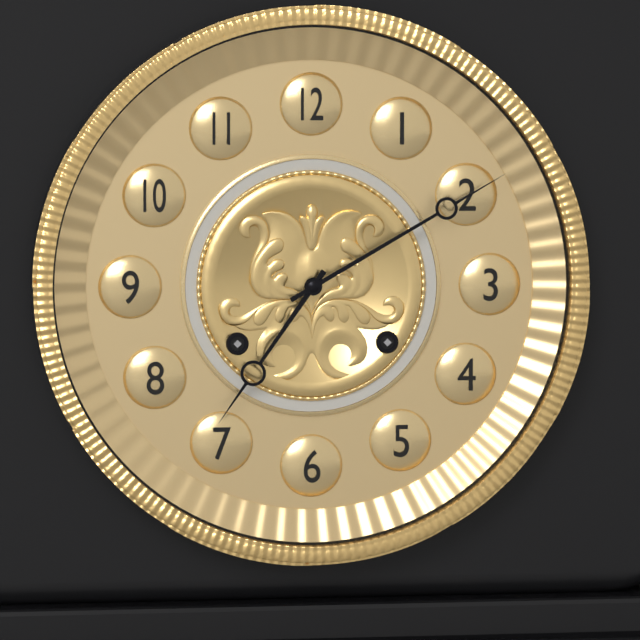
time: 7:10
